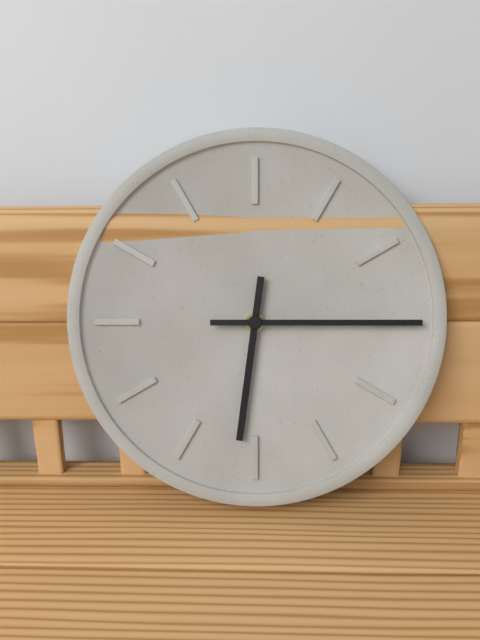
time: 6:15
